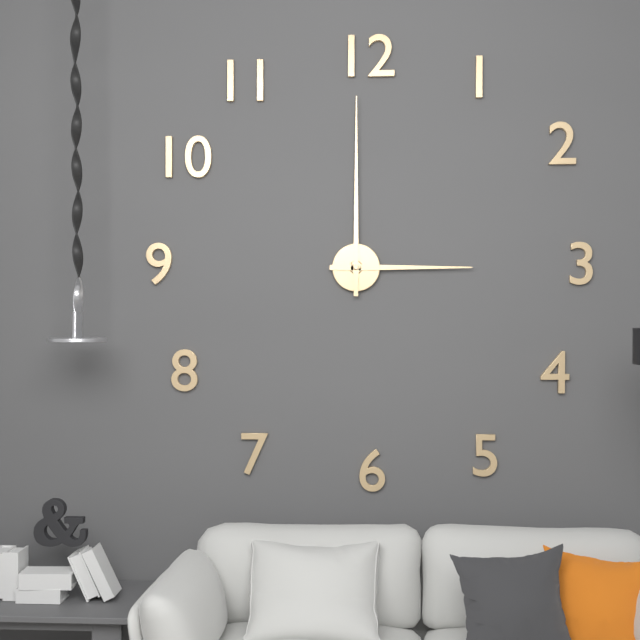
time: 3:00
